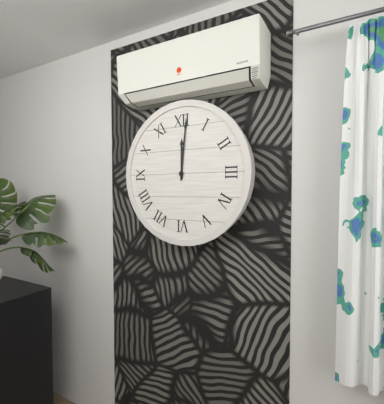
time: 12:01
